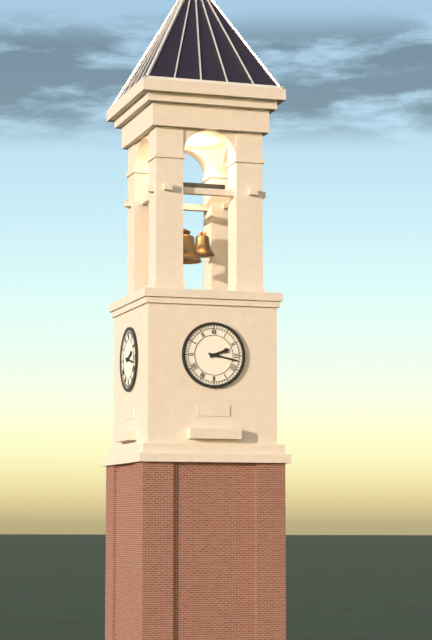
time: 2:17
